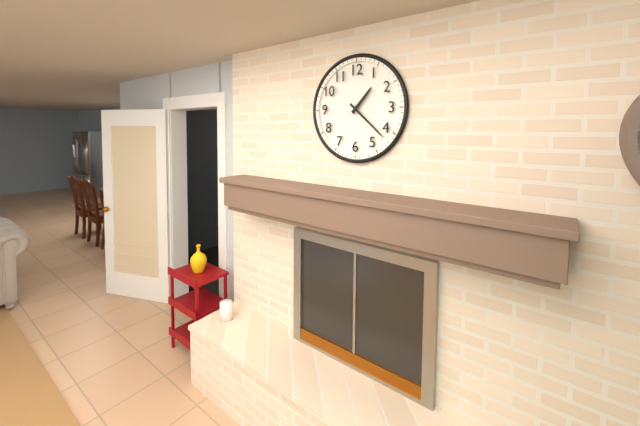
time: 1:22
